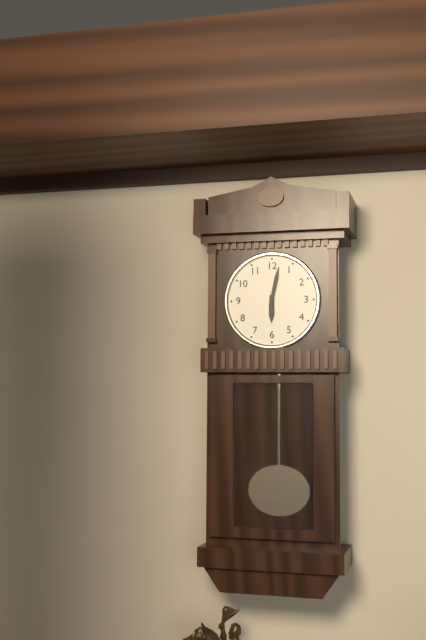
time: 6:02
